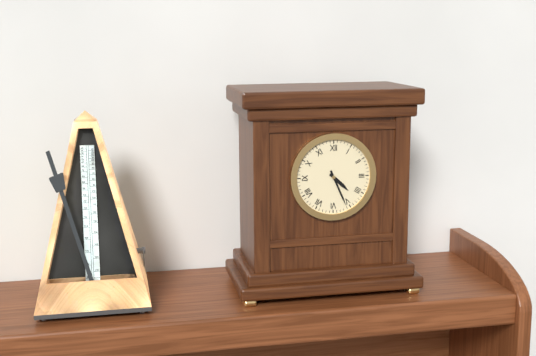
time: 4:26
